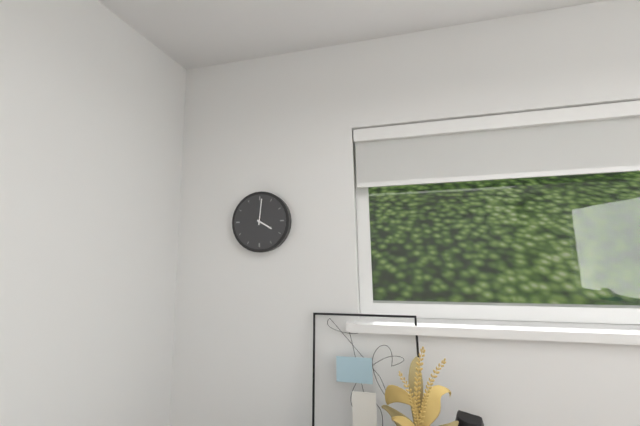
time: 4:01
